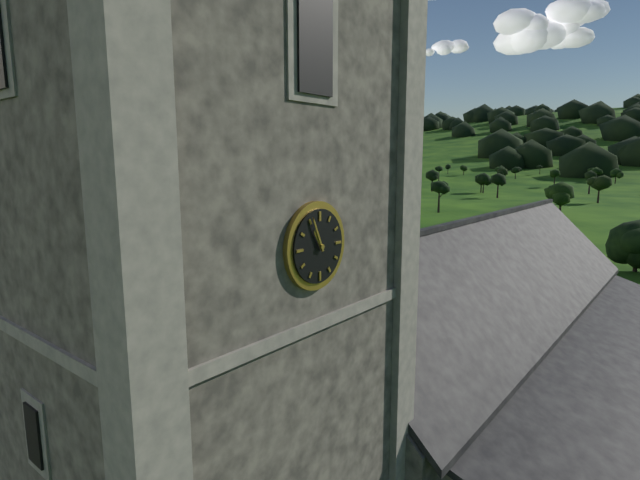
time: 10:56
